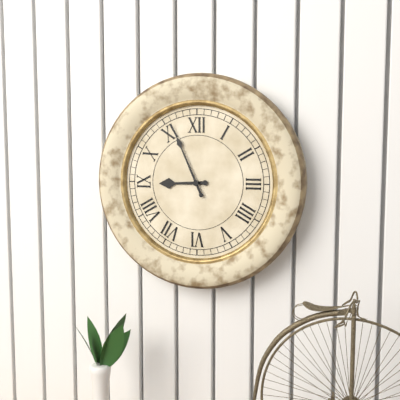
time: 8:56
